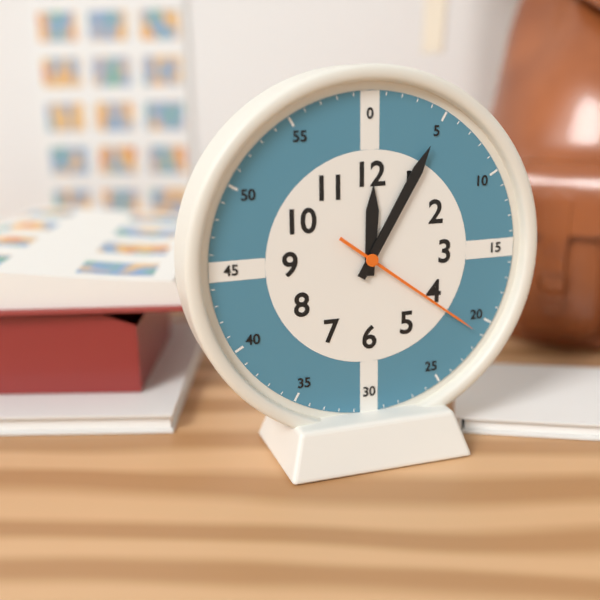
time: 12:05:21
